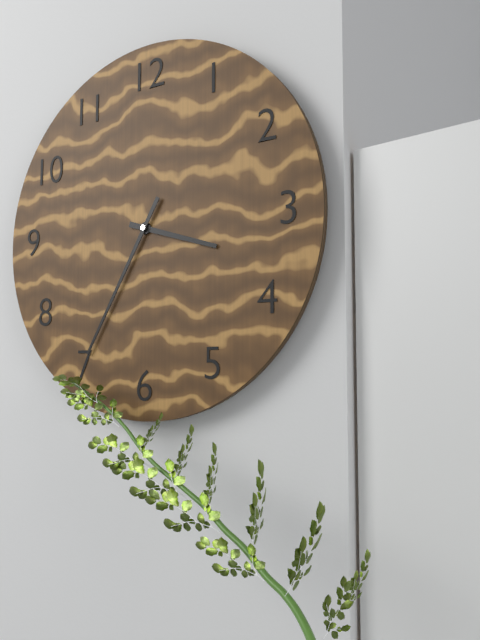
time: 3:35
